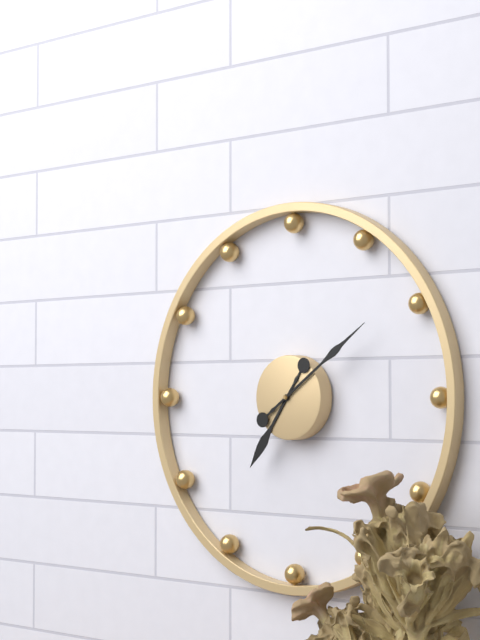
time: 7:09
